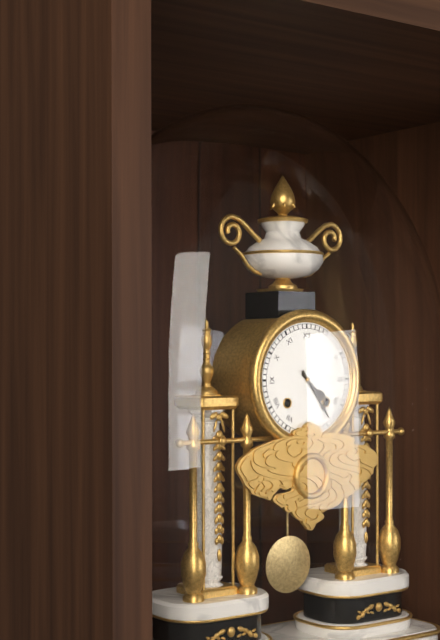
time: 4:24
